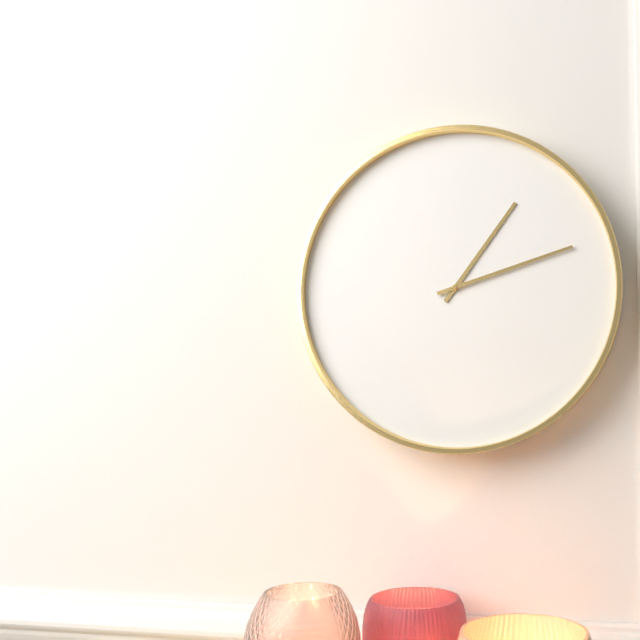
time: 1:12
